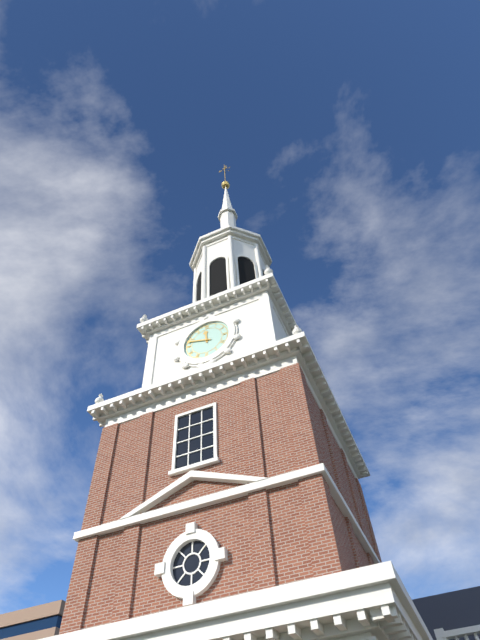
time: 11:48
